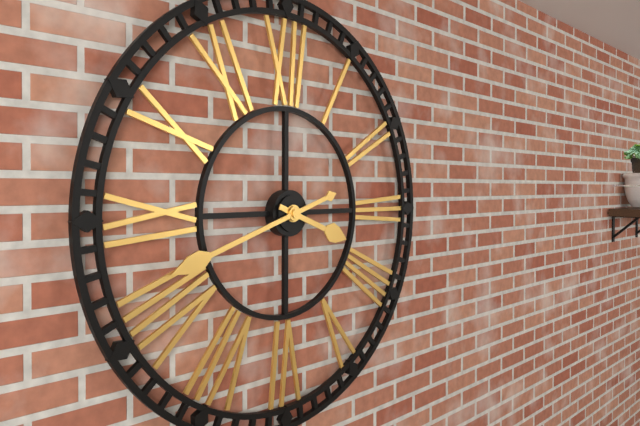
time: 3:42
